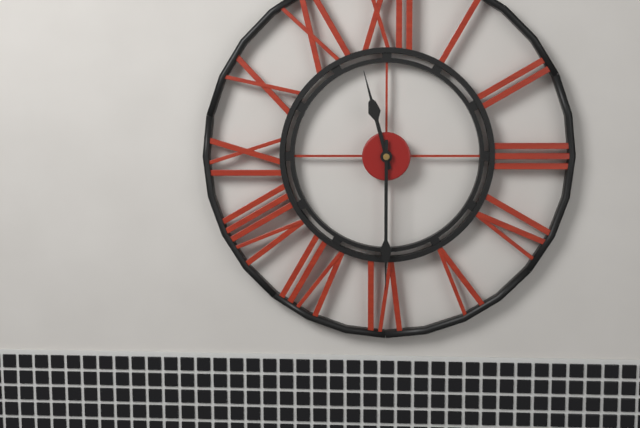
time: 11:30
